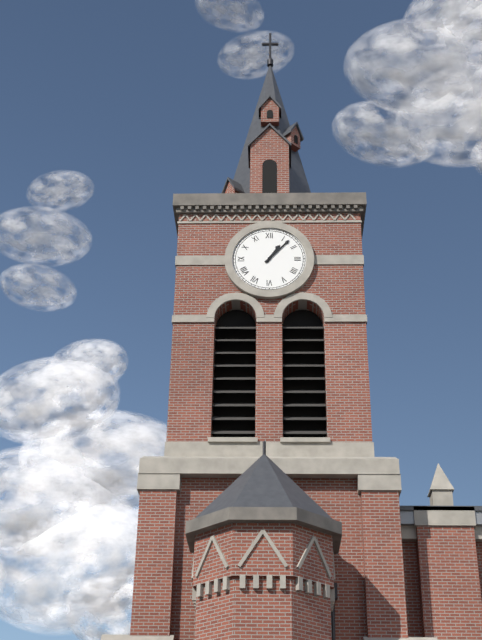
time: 1:07
